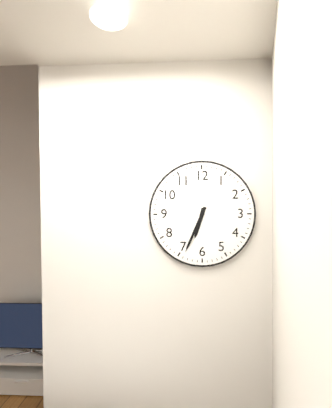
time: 6:34
